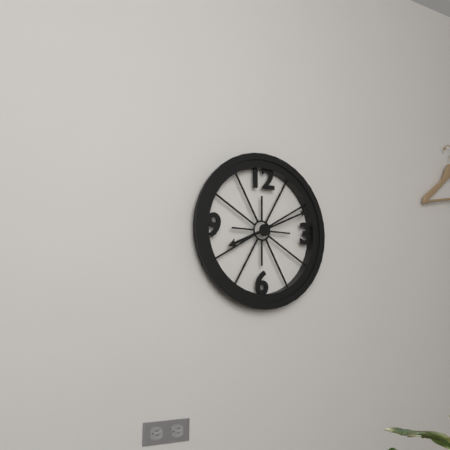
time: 8:11
